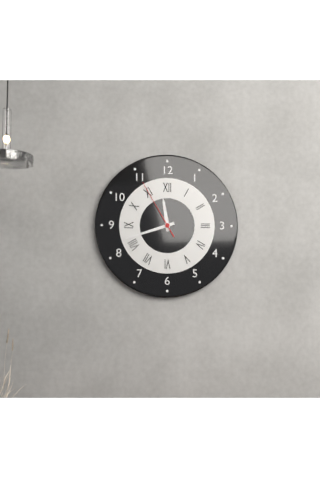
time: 11:42:55
